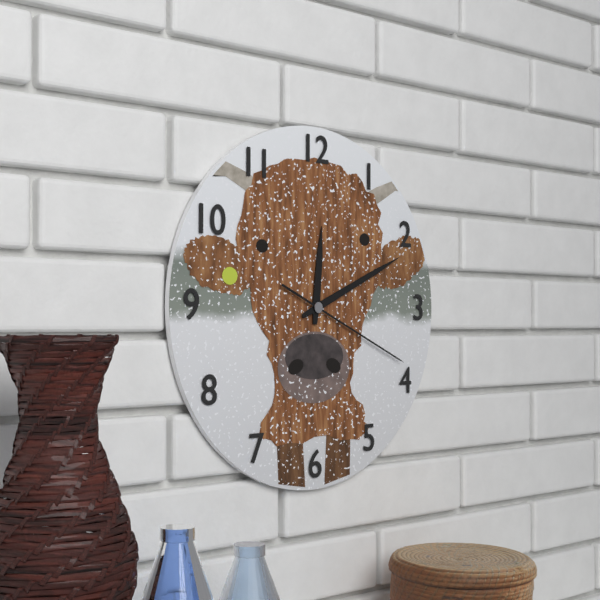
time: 12:11:19
